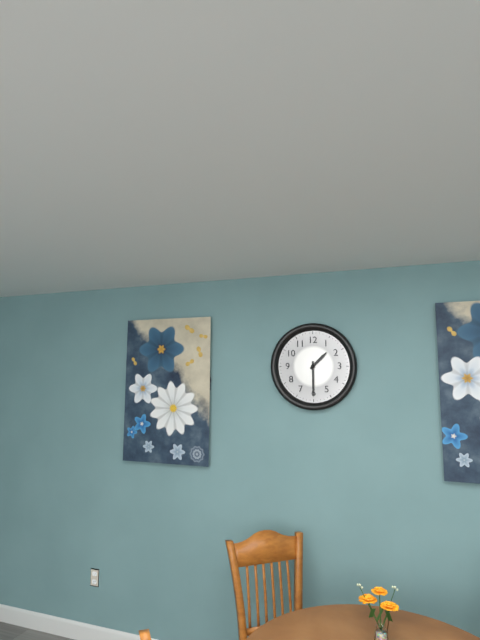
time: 1:30
